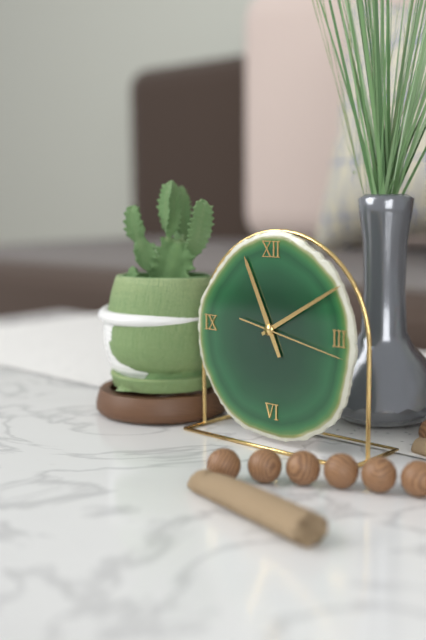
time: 11:10:17
